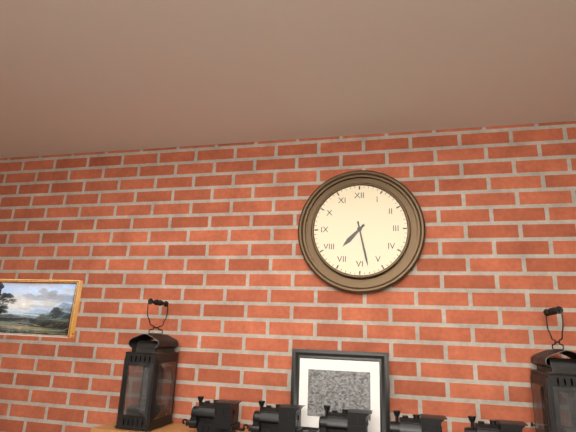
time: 7:28
